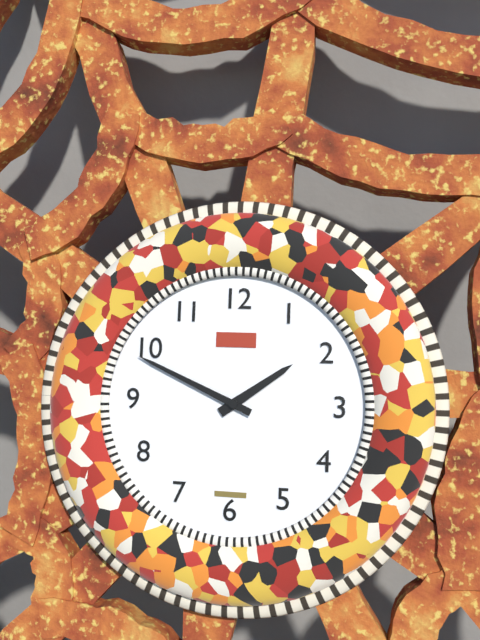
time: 1:49
